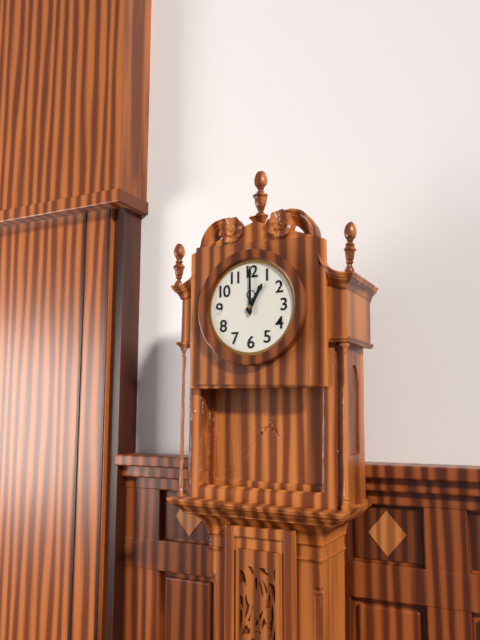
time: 1:00
